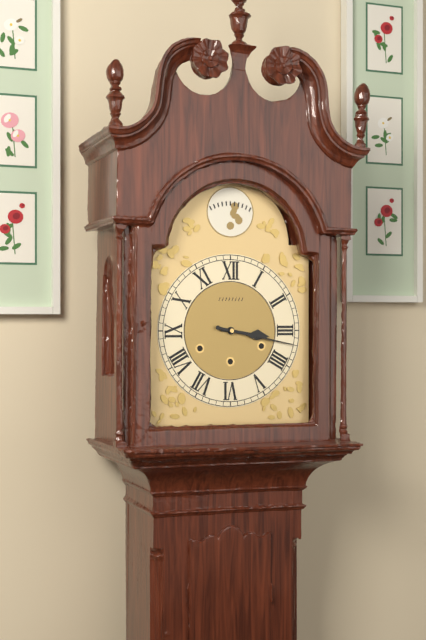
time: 3:17
